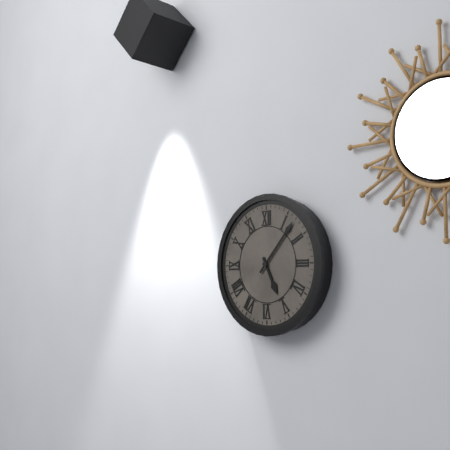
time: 5:07
